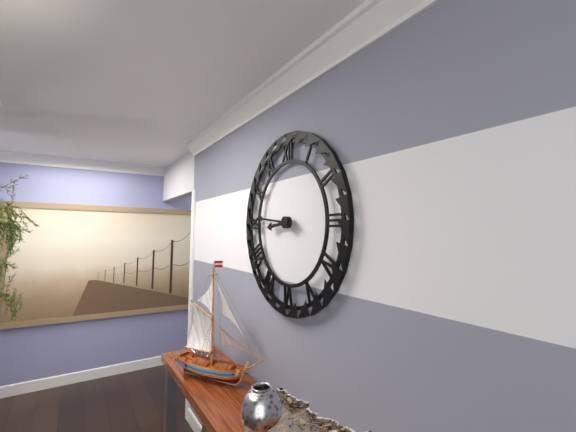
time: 8:46
